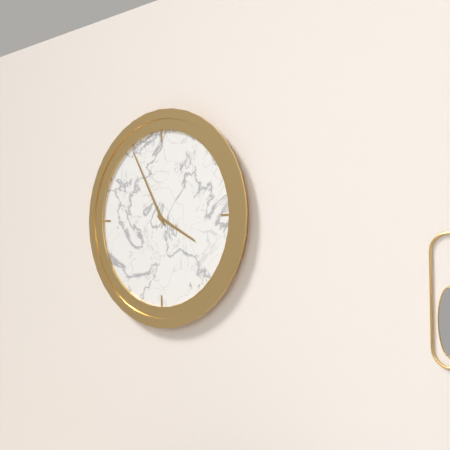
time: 3:55
